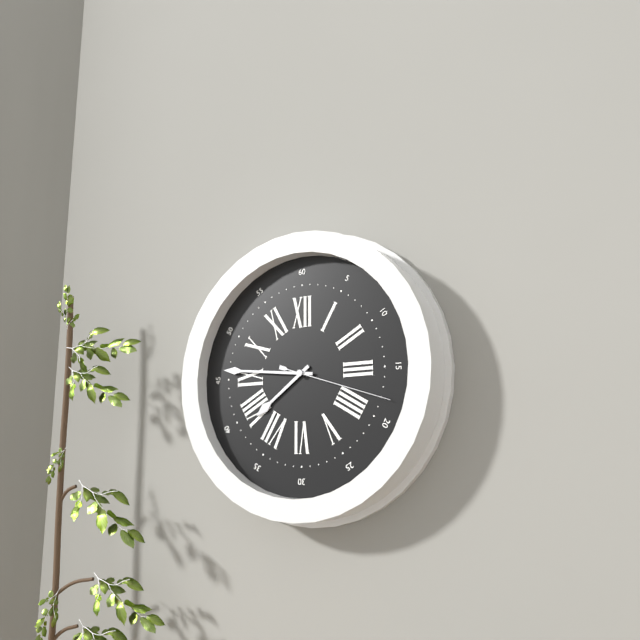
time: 7:46:18
